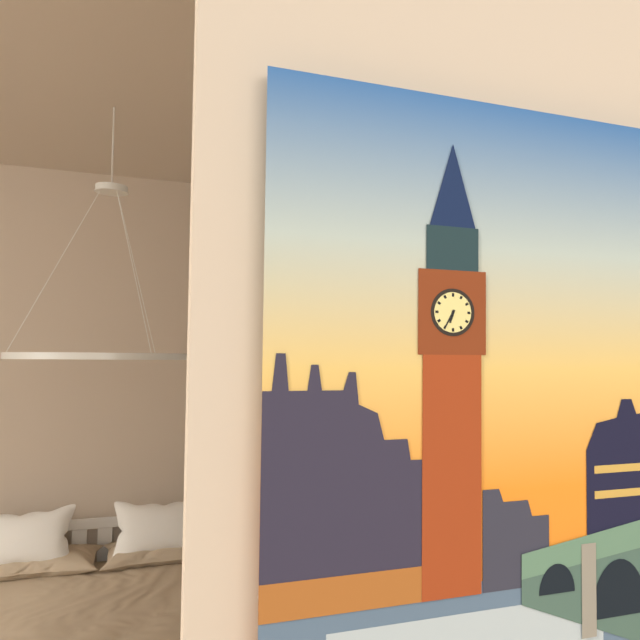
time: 6:35
